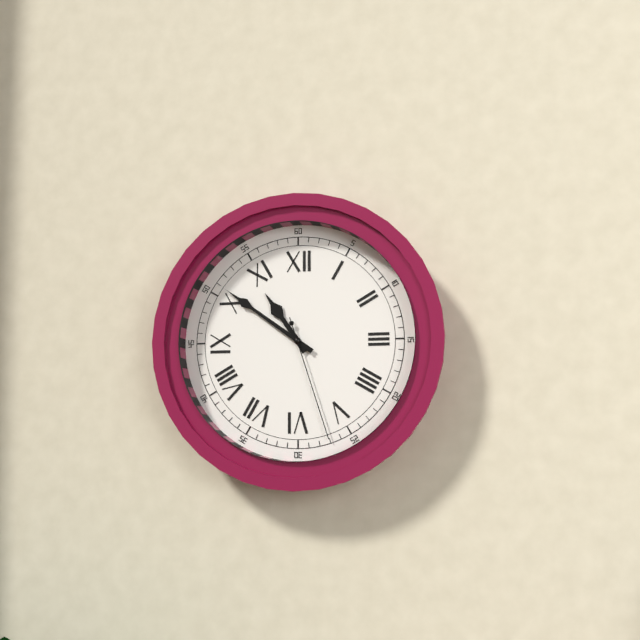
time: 10:51:27
